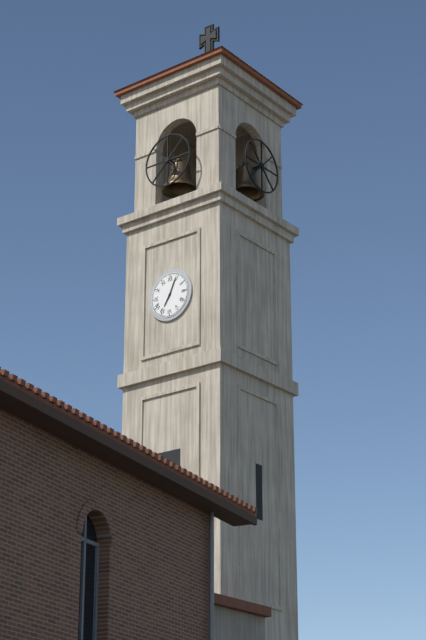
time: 7:04
